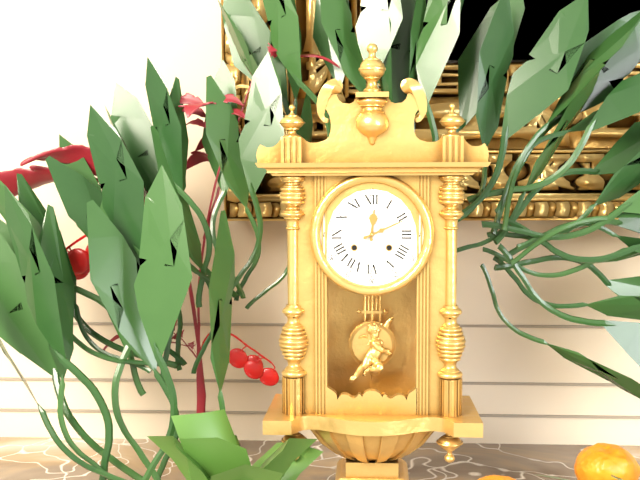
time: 12:11
